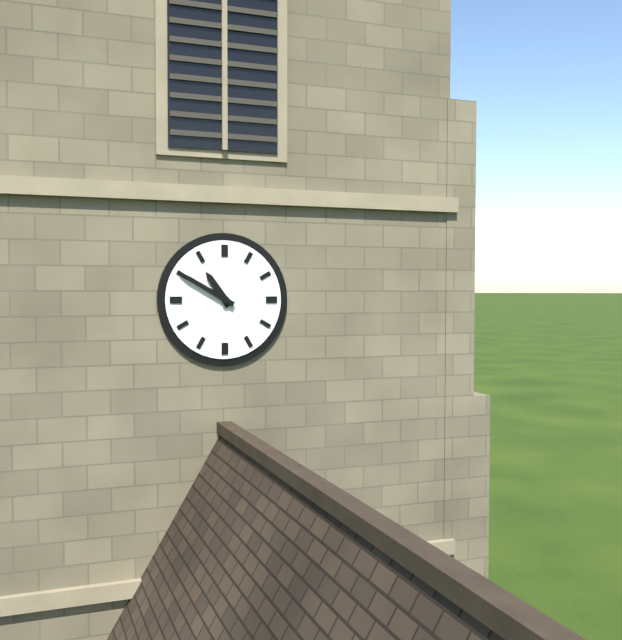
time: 10:50
